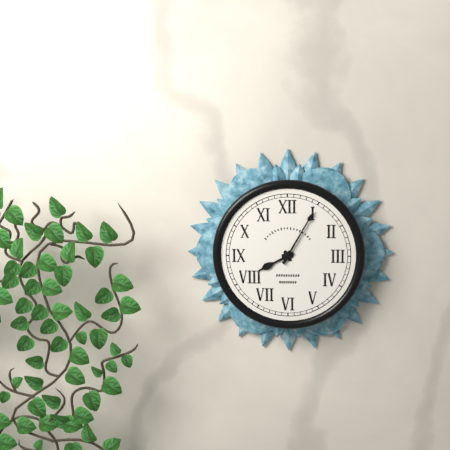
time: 8:05
